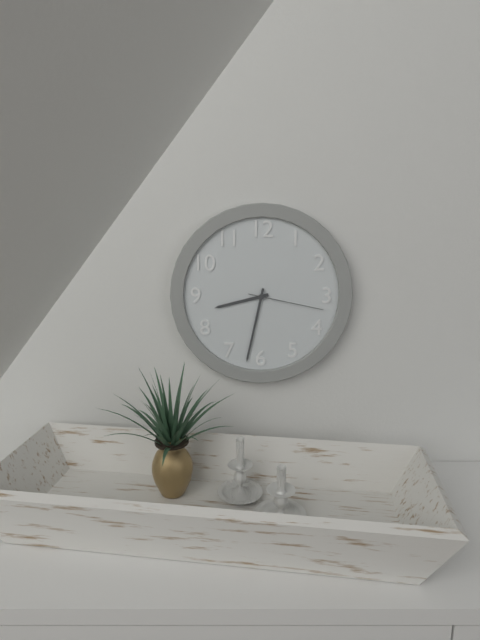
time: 8:32:17
